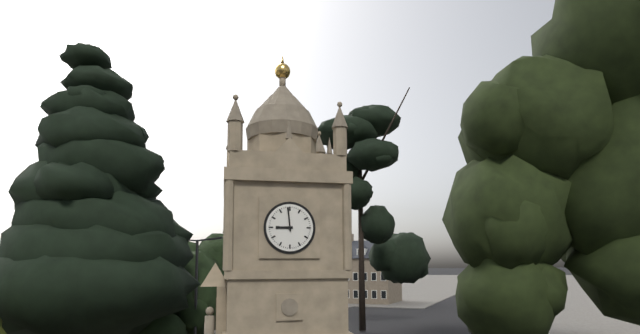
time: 8:59
